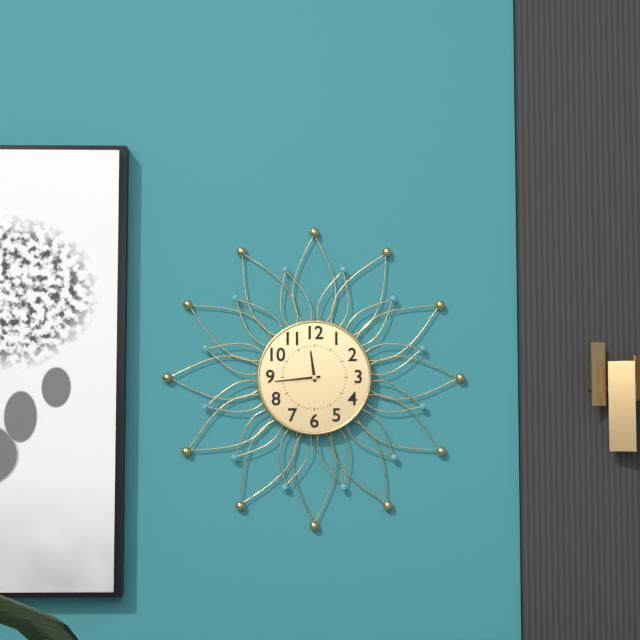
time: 11:44
